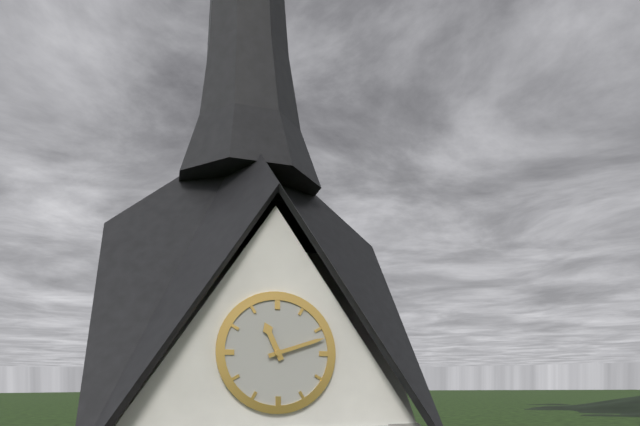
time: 11:12
